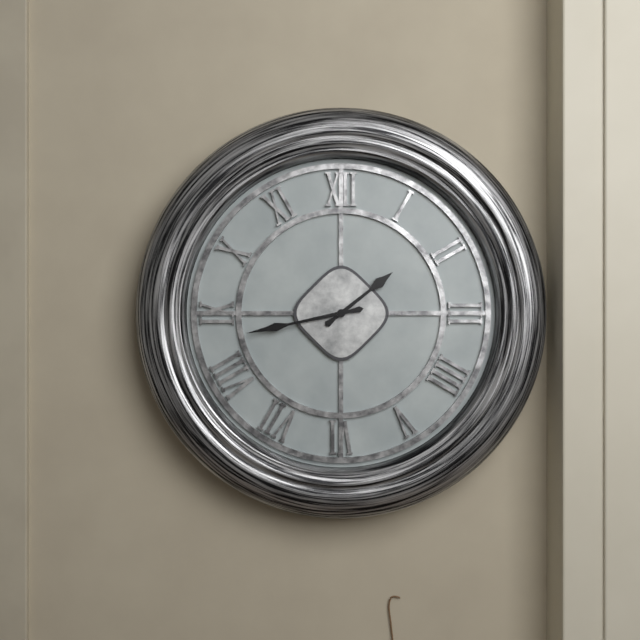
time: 1:43
